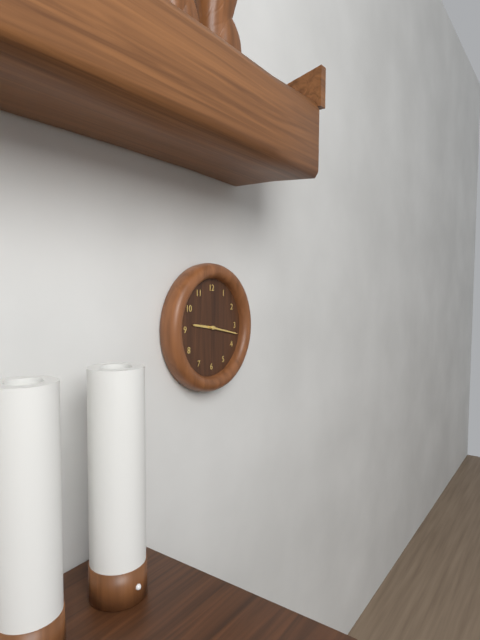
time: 9:17
